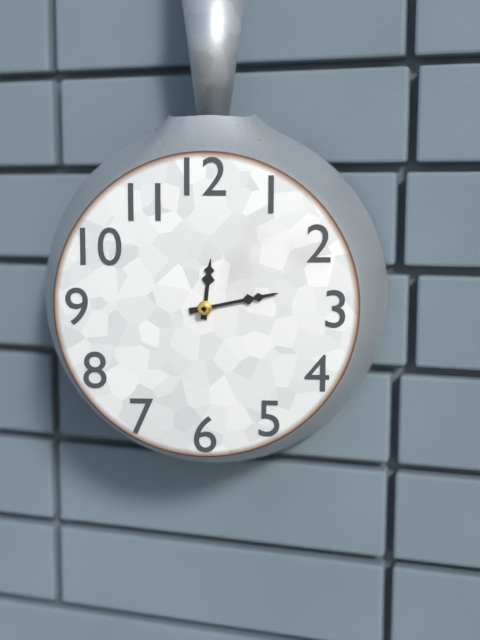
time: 12:13
